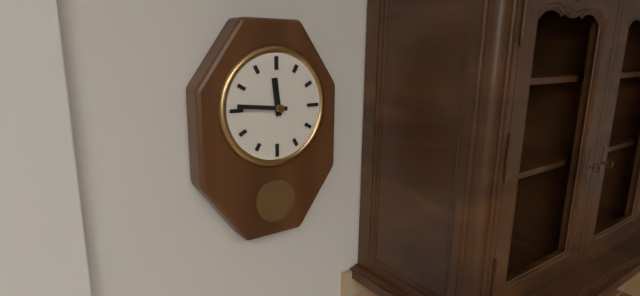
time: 11:46
